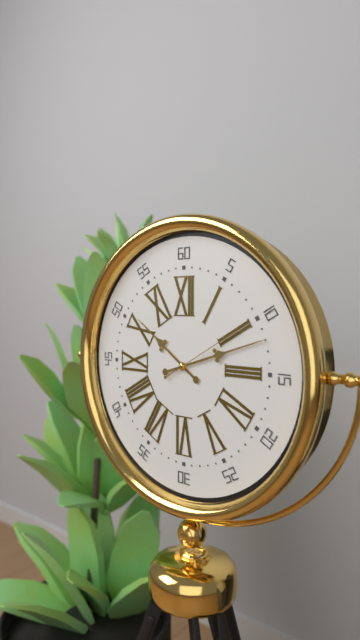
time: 10:12:10
